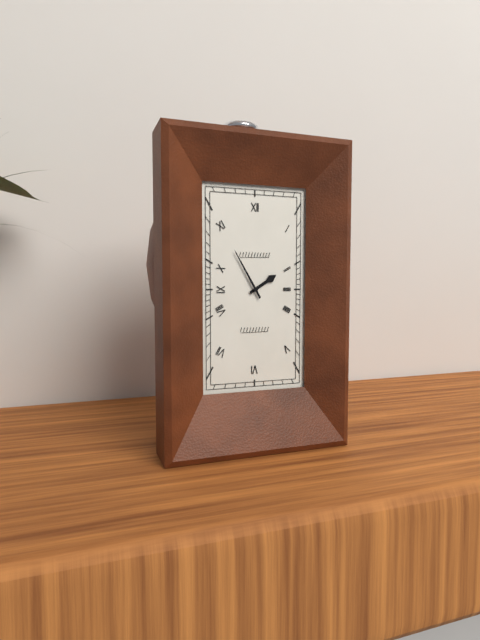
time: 1:55
